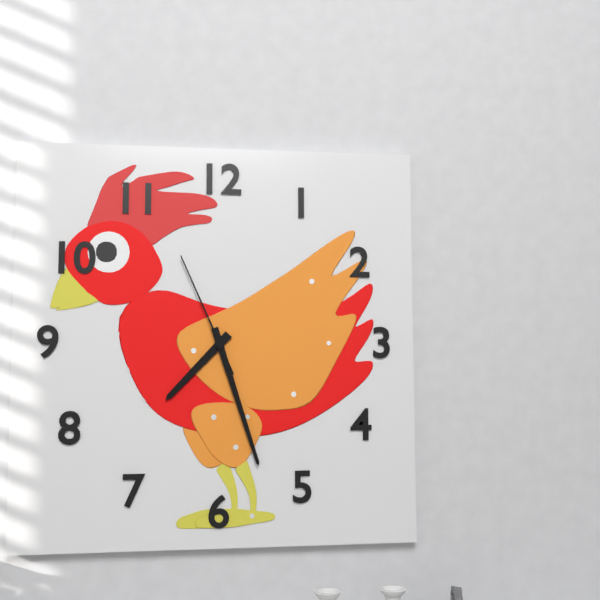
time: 7:27:56
